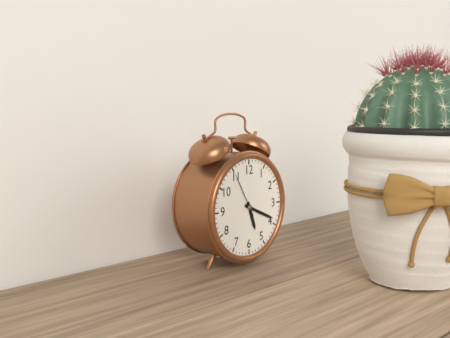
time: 5:19
